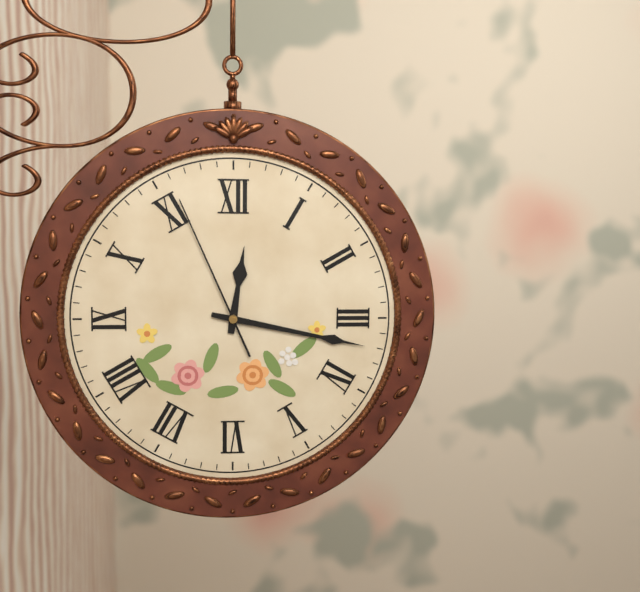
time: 12:17:56
